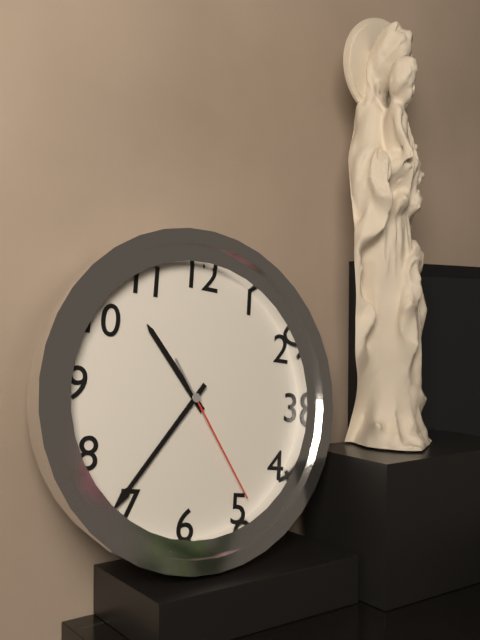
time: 10:36:24
